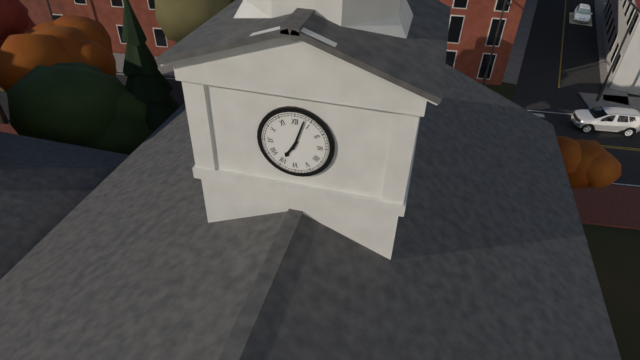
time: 7:03
